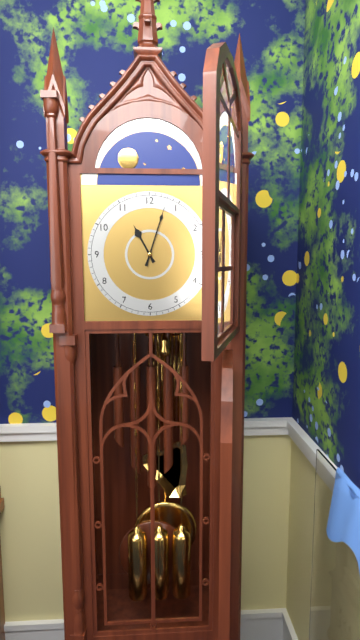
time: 11:03
